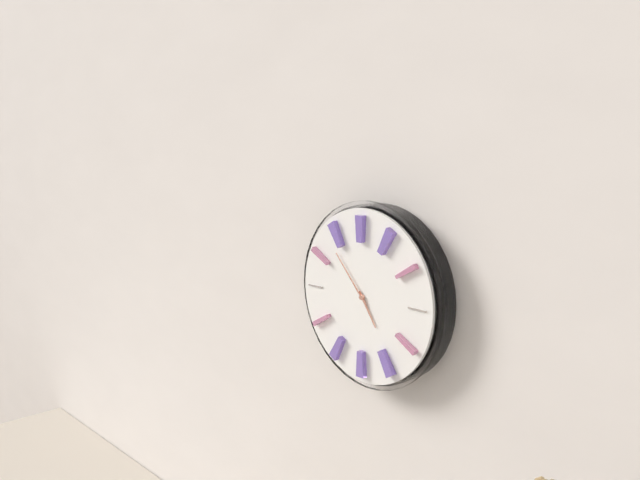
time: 4:53
